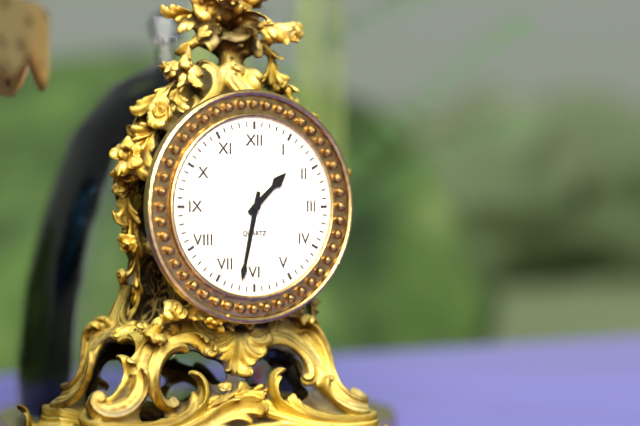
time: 1:32
